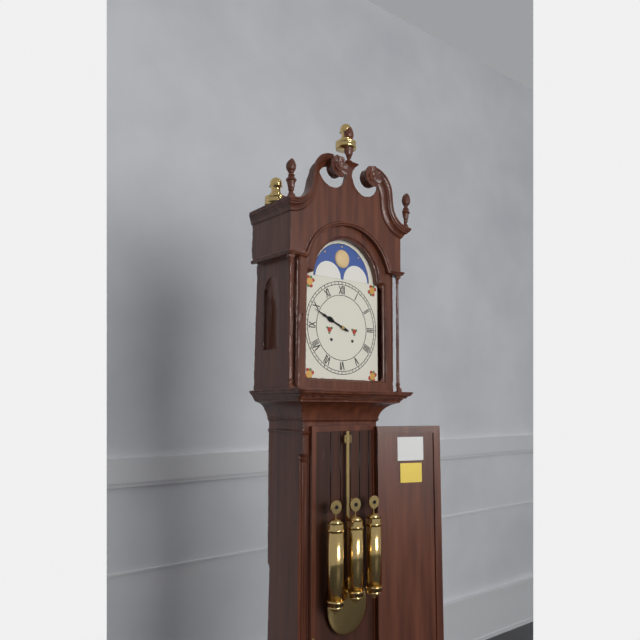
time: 9:49
